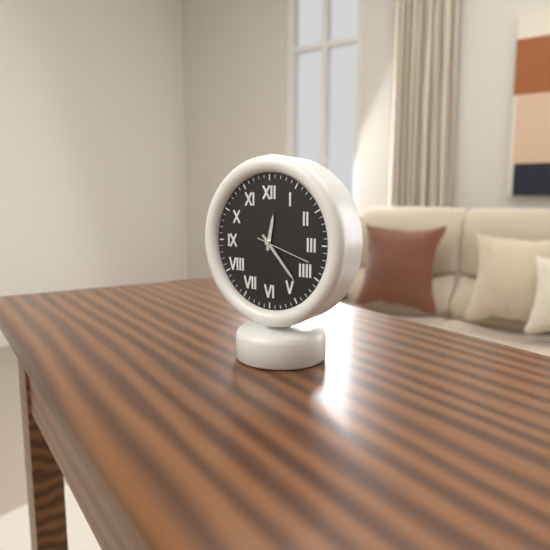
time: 12:23:18
